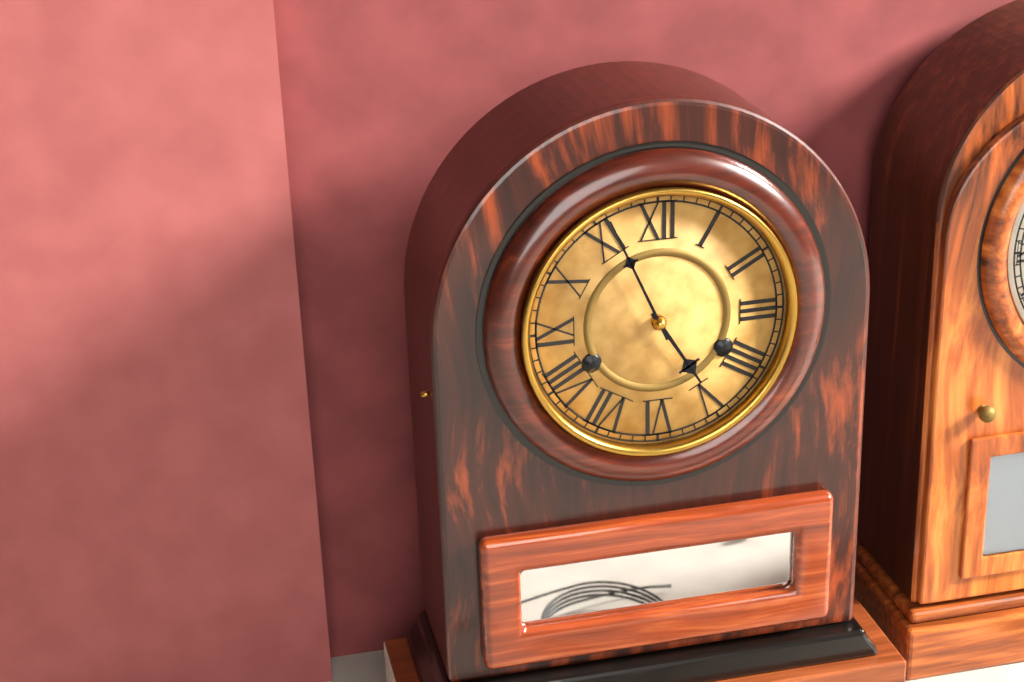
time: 4:56
